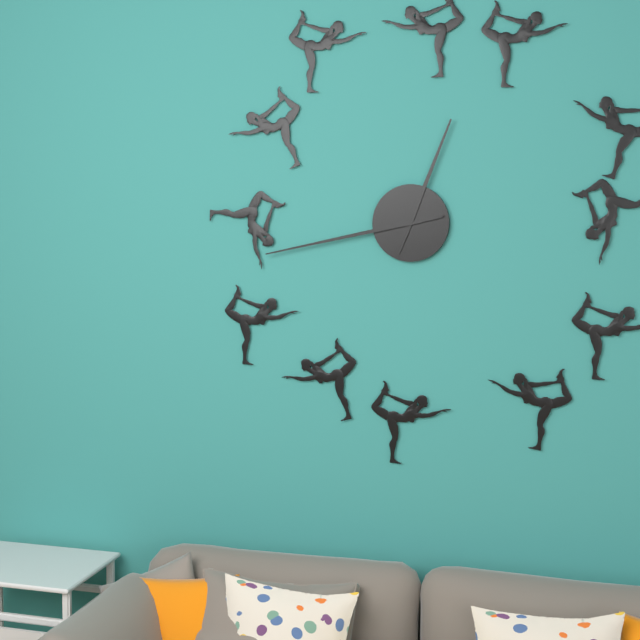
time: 12:43
